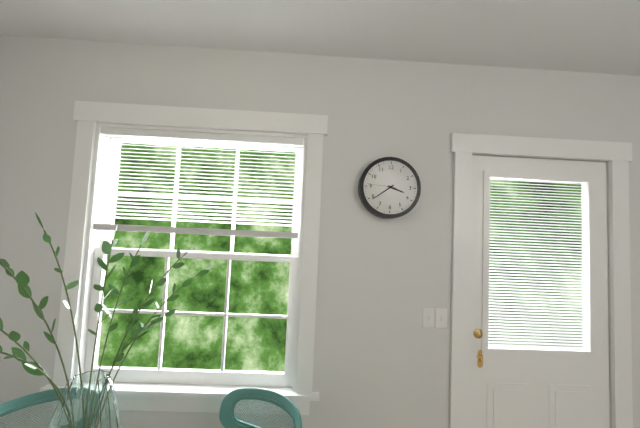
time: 3:39
